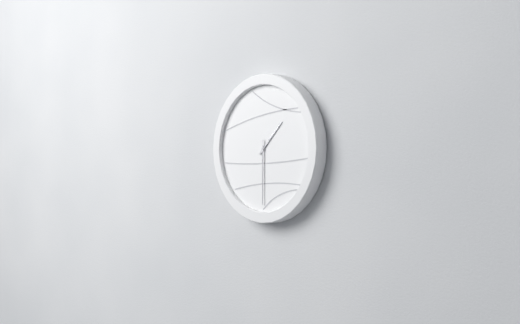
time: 1:30
